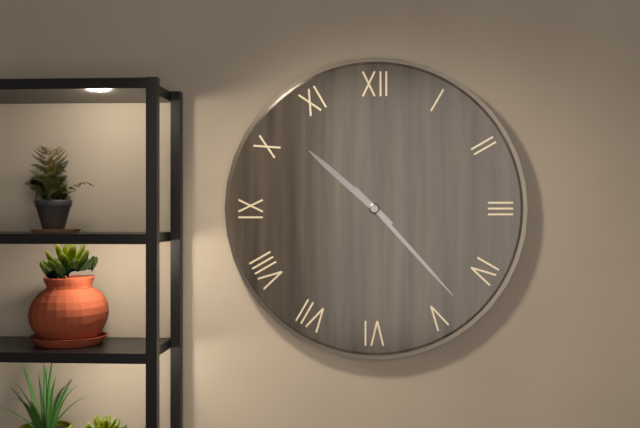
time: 10:23
